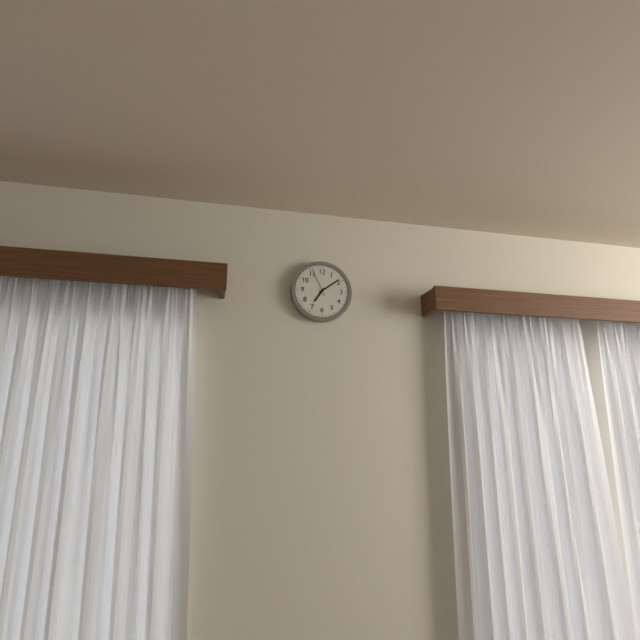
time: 7:09
